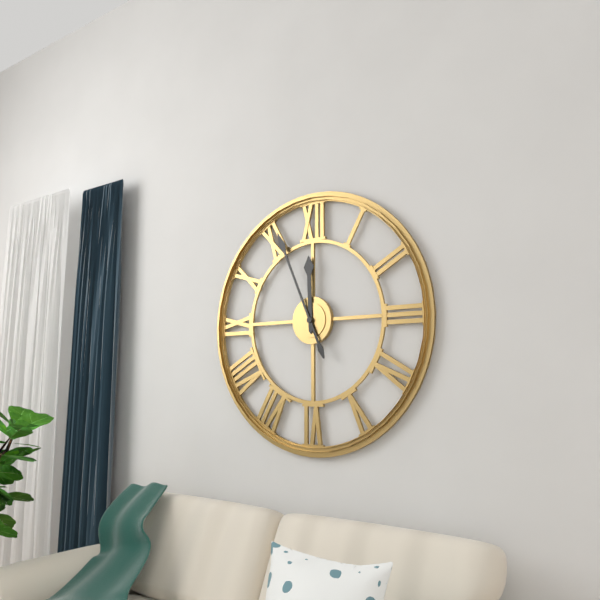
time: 11:56
